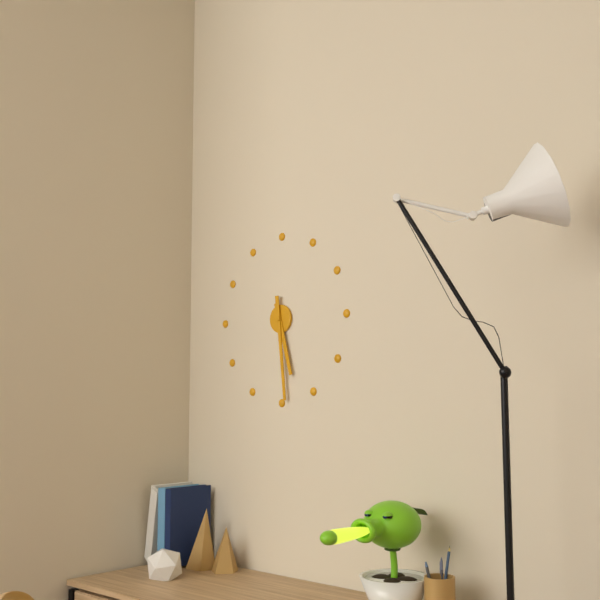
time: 5:29
